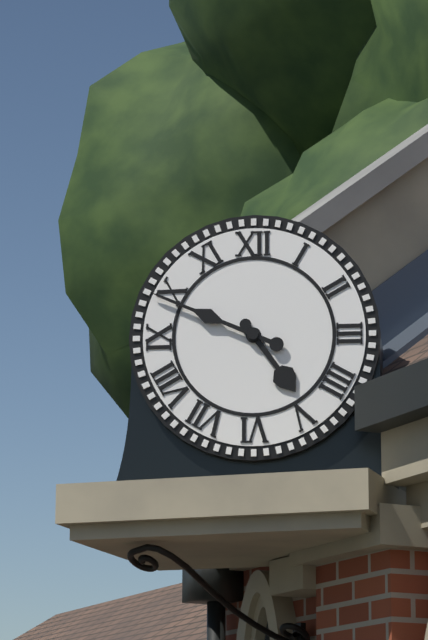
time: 4:49
